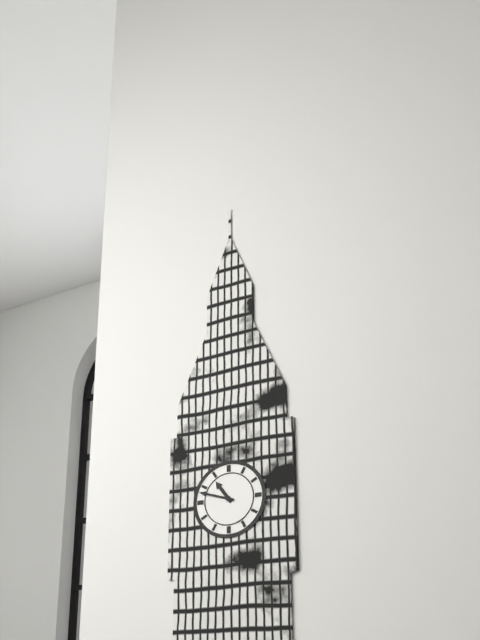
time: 10:48
